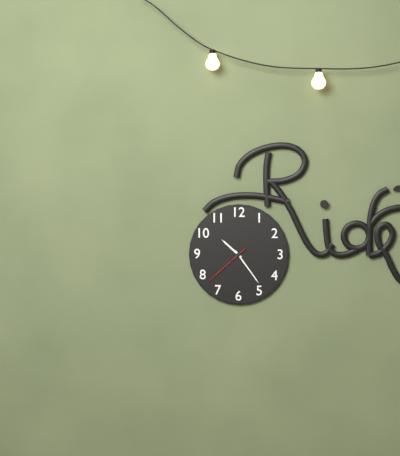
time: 10:24
